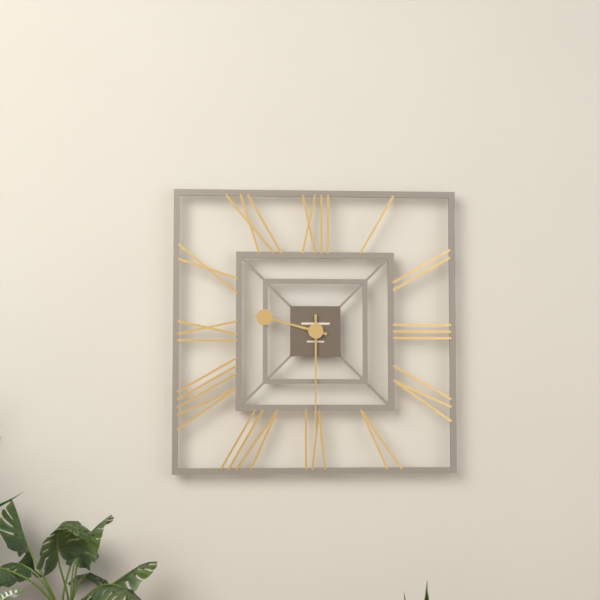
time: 9:30
